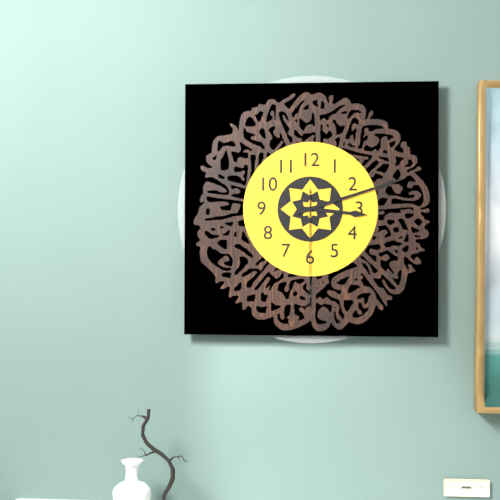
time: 3:12:30
